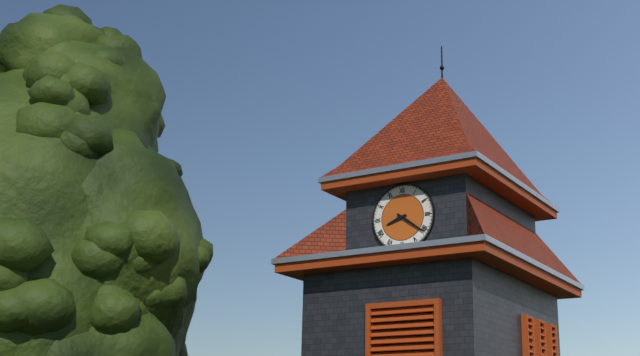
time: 8:21
